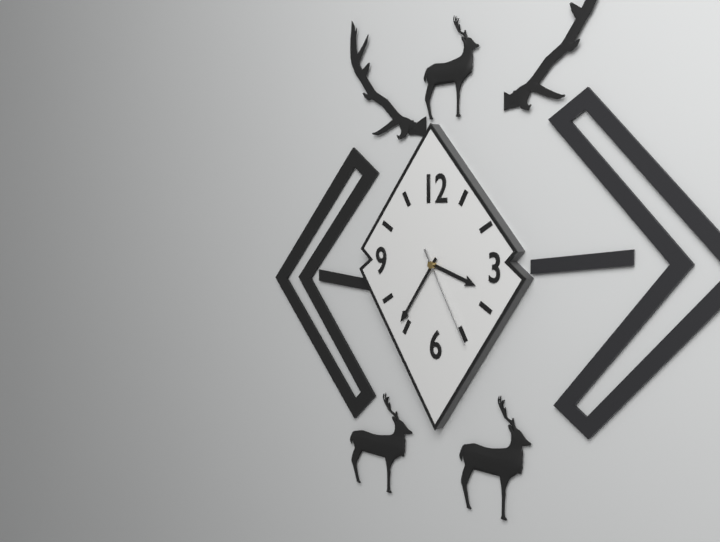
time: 3:36:25
